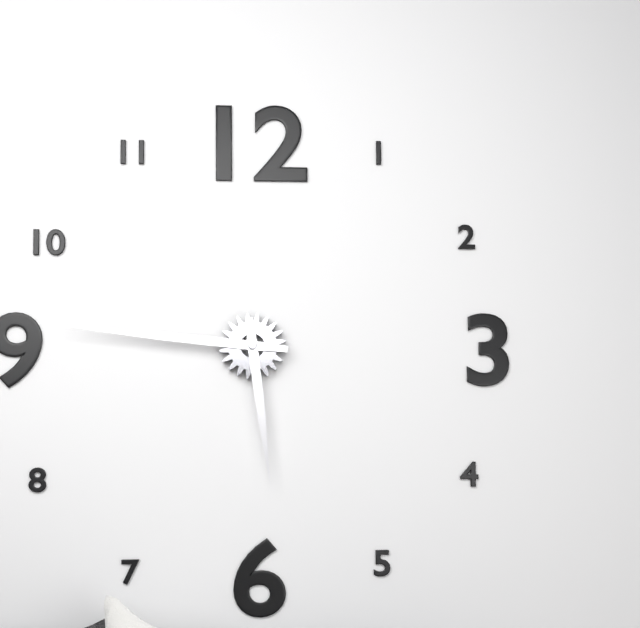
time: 5:46
